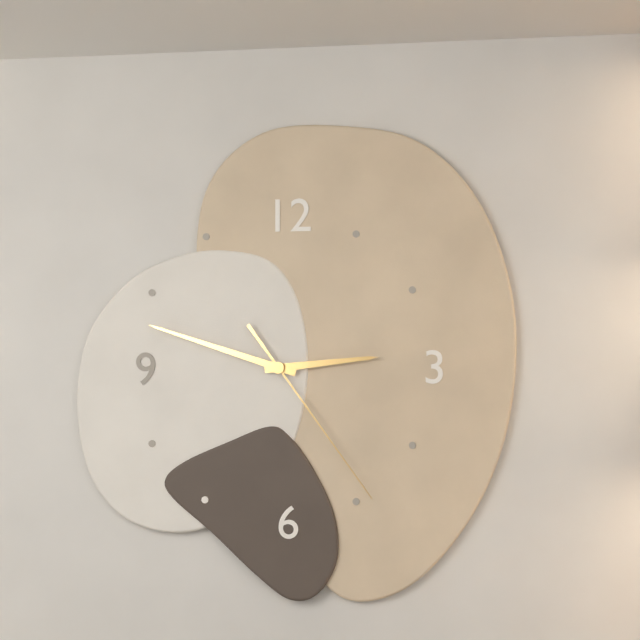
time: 2:48:24
